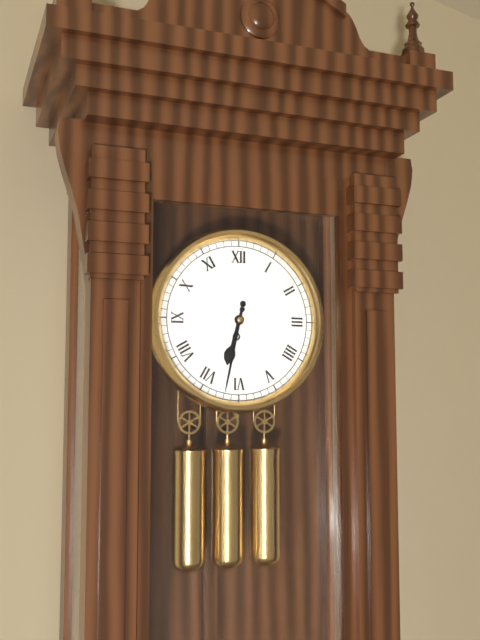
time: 6:32
